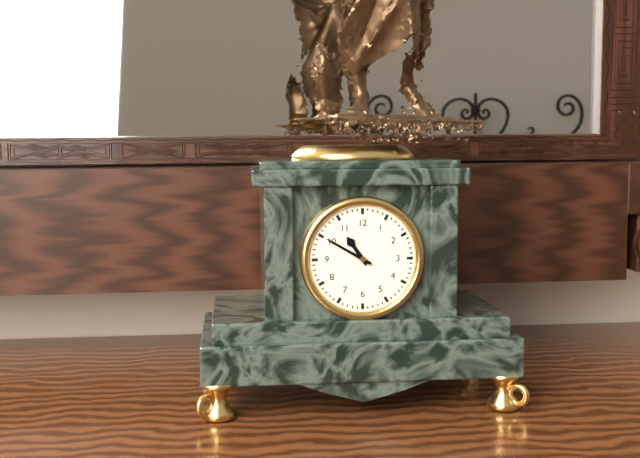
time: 10:50
